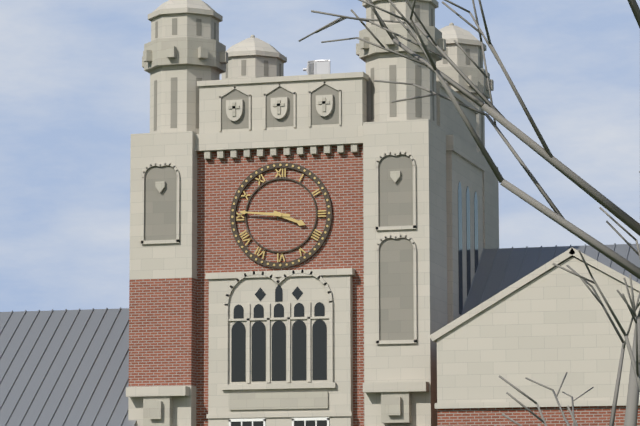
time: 3:46
